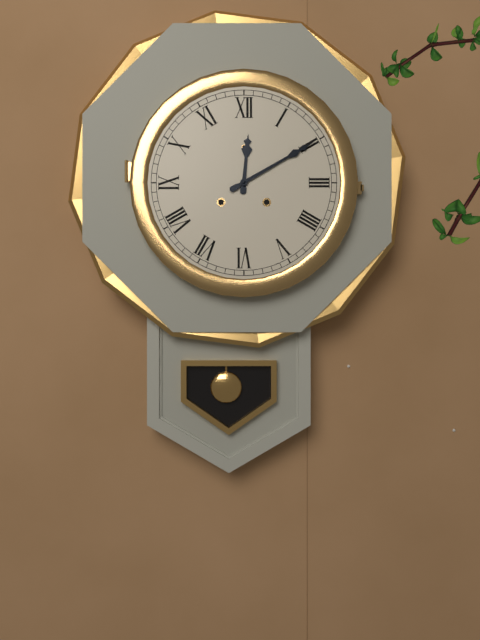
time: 12:10
